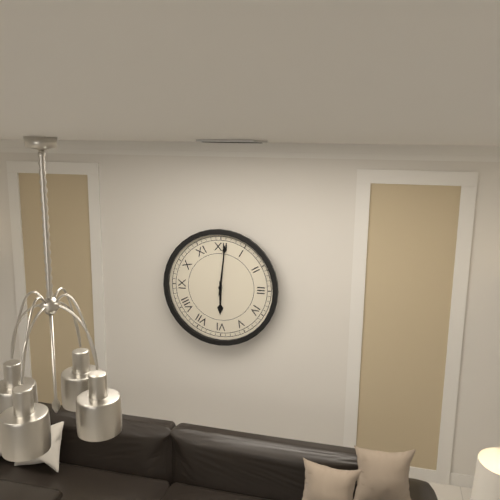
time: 6:01
